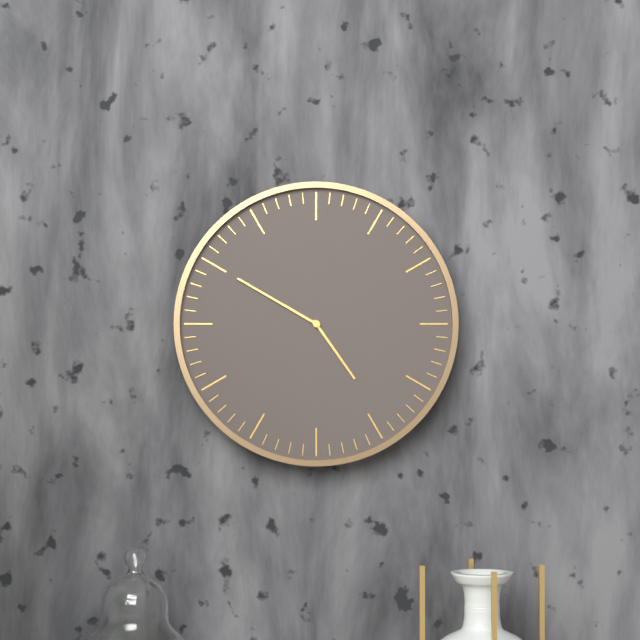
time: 4:50
